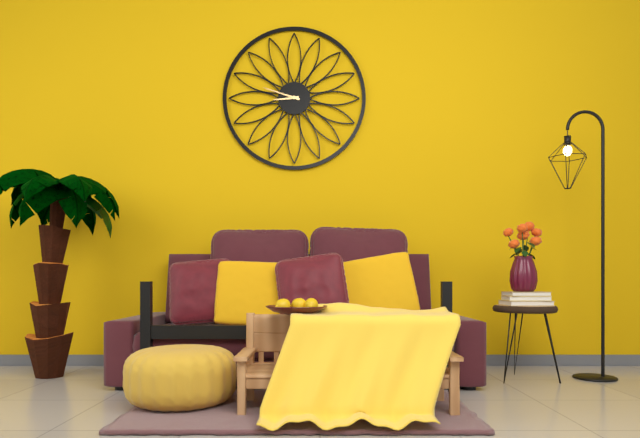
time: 8:48
